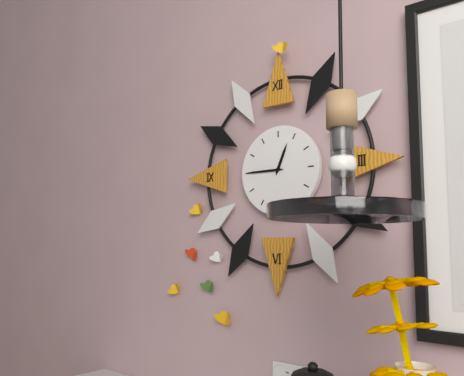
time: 12:45
